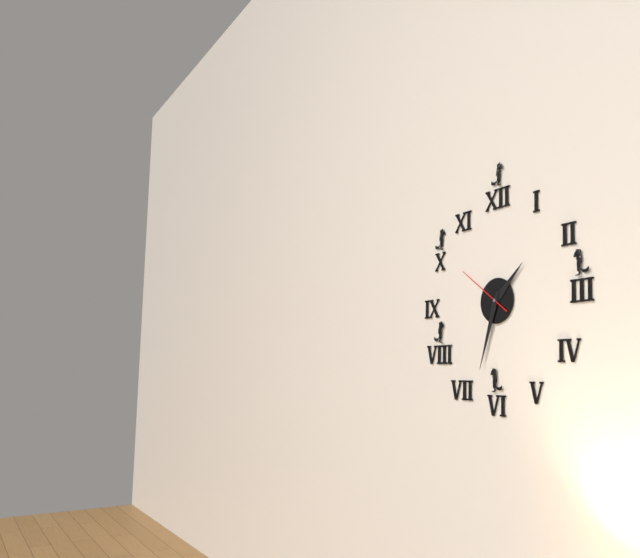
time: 1:33:51
